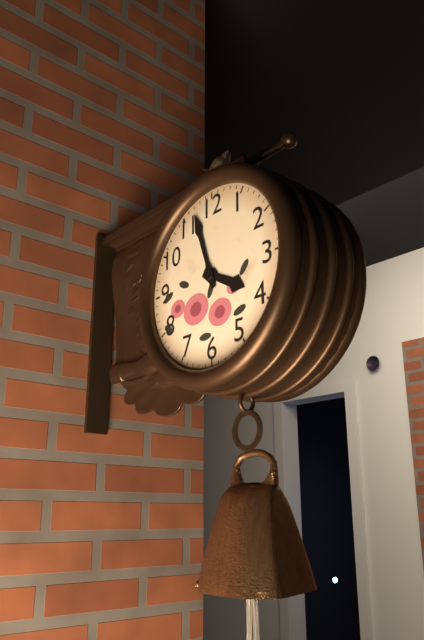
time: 3:57
